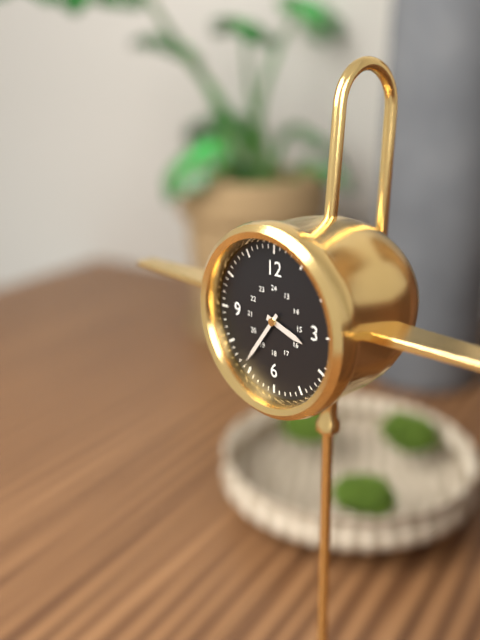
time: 3:36
